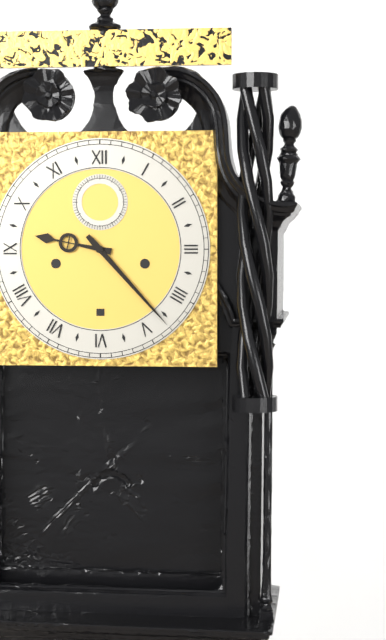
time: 9:23
